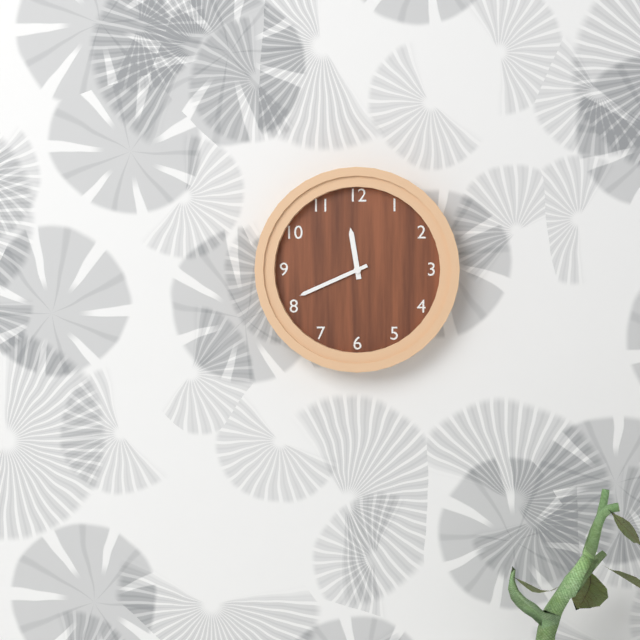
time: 11:41
